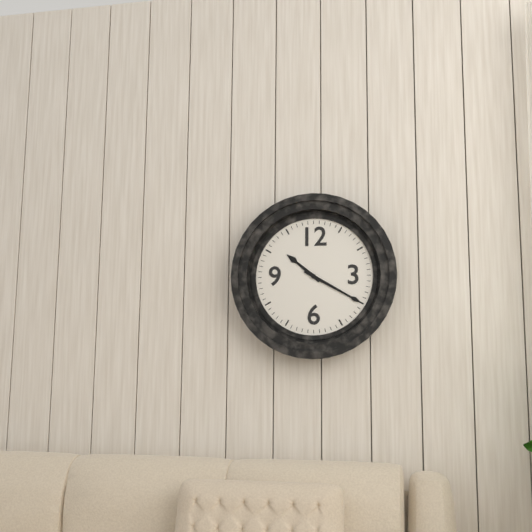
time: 10:20
